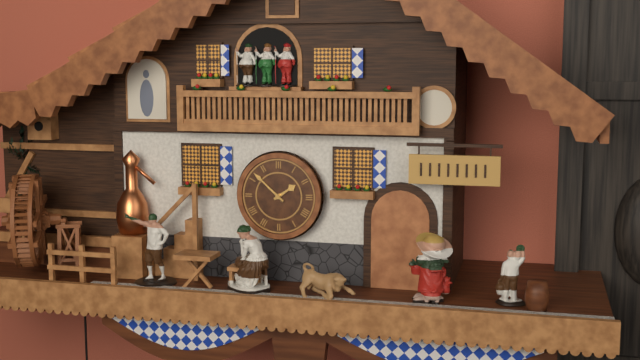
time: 1:52
